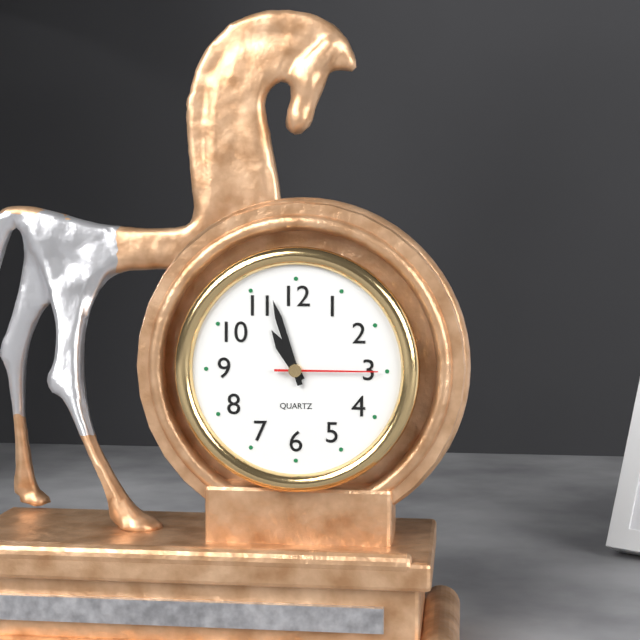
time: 10:57:15
